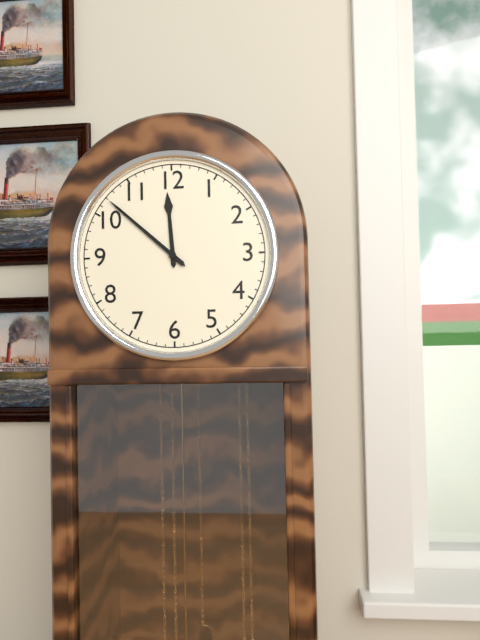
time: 11:52
